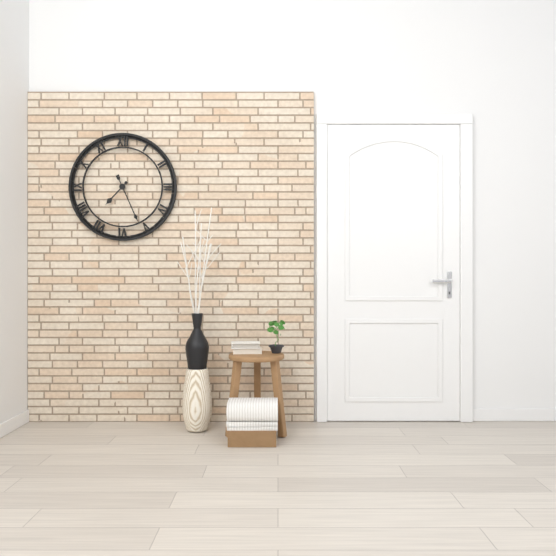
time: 7:26
